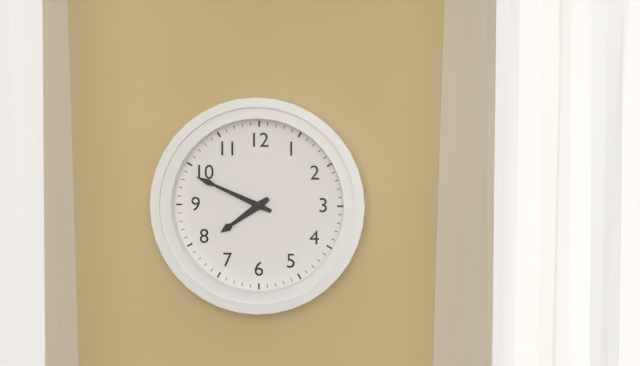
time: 7:49
